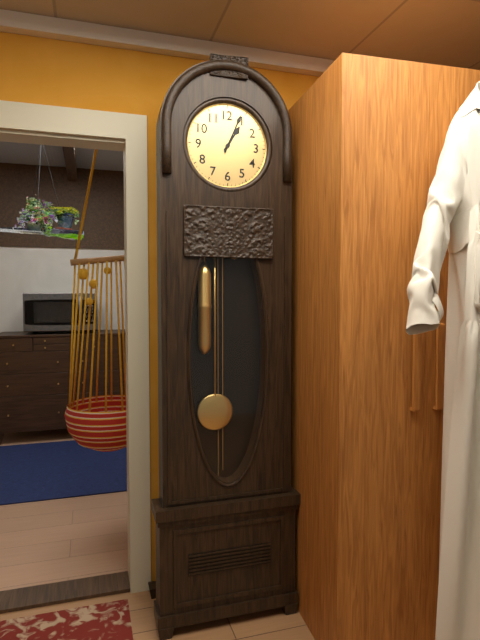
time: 1:04
